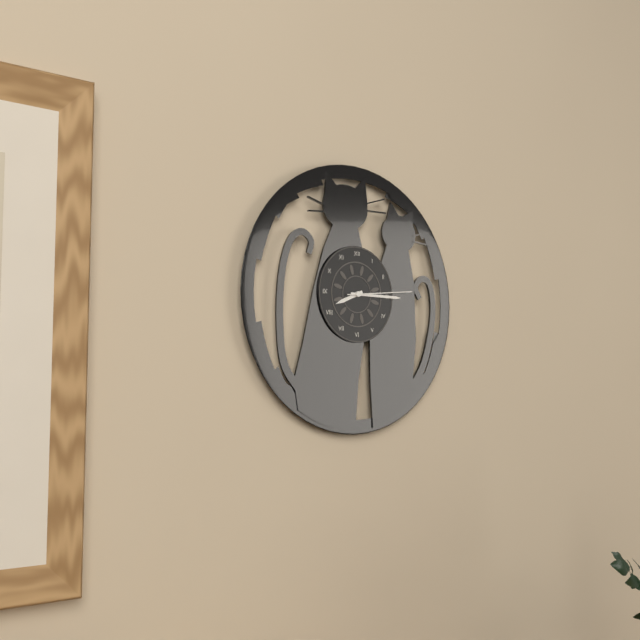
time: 8:15:14
